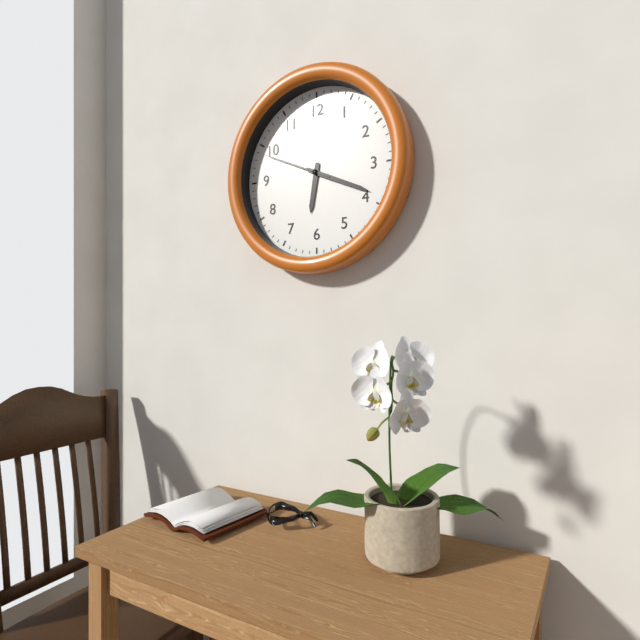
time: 6:19:49
